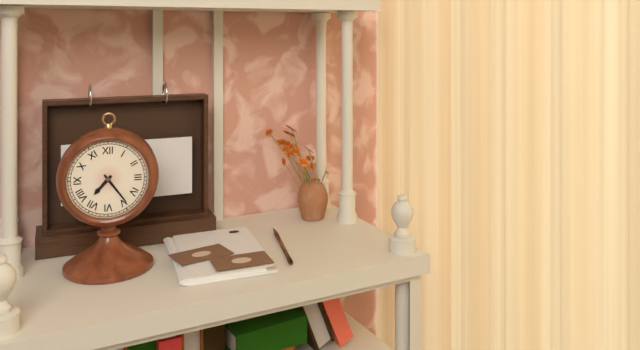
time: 7:24
